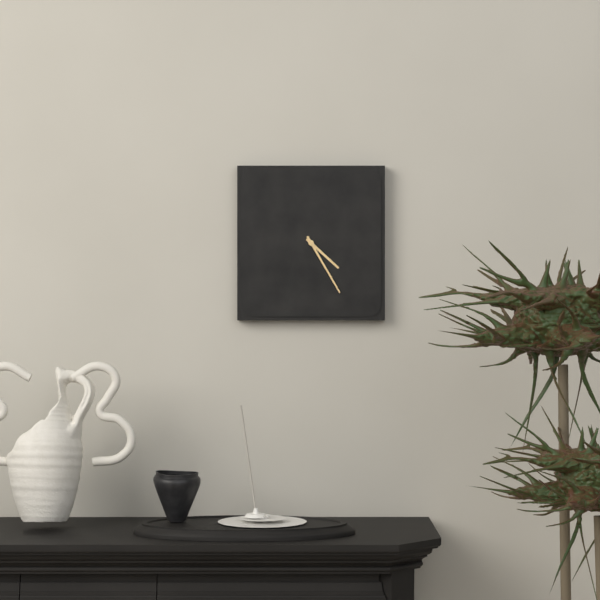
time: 4:25
